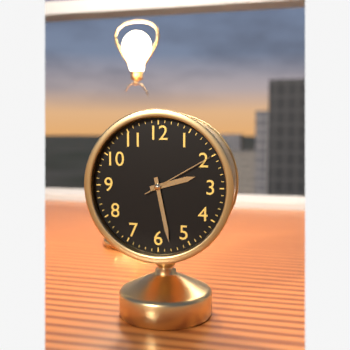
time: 2:28:10
